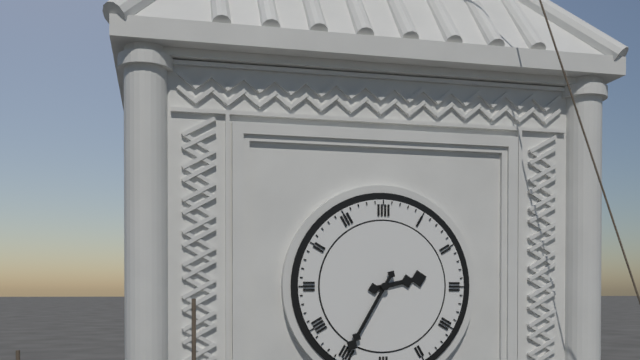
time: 2:35
